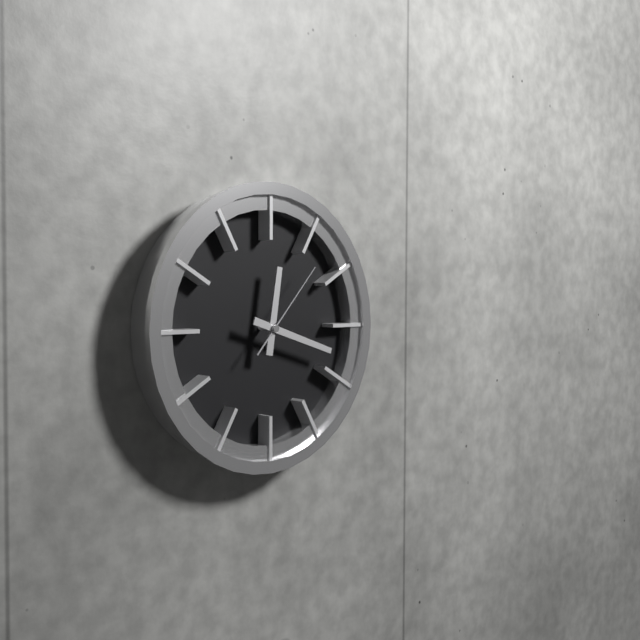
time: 12:18:07
